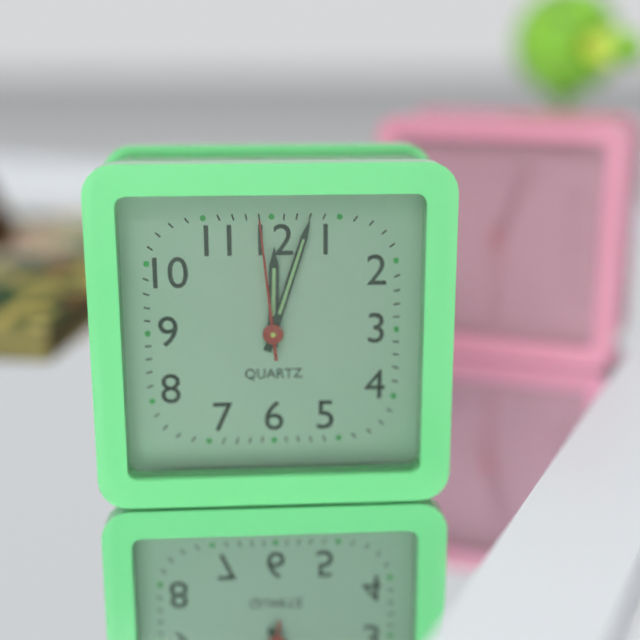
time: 12:03:59
